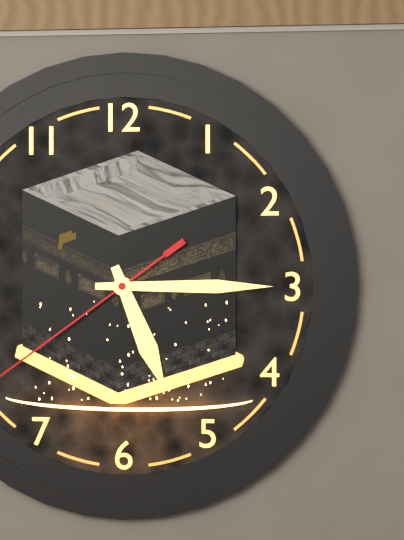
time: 5:15
